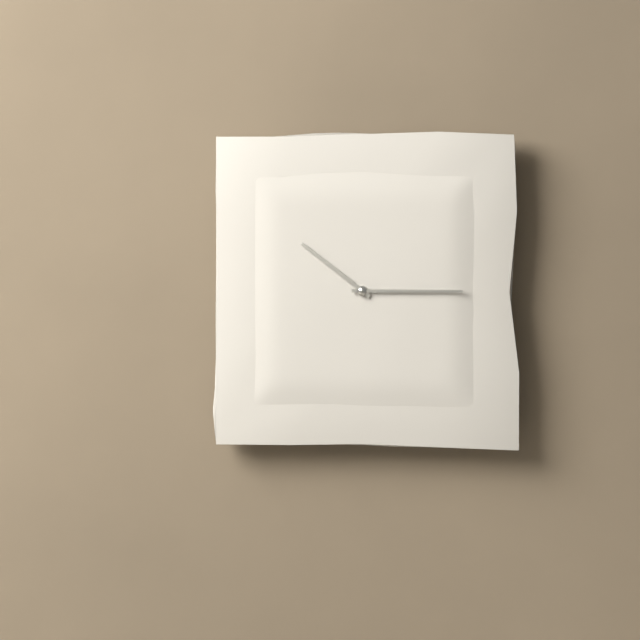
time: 10:15
